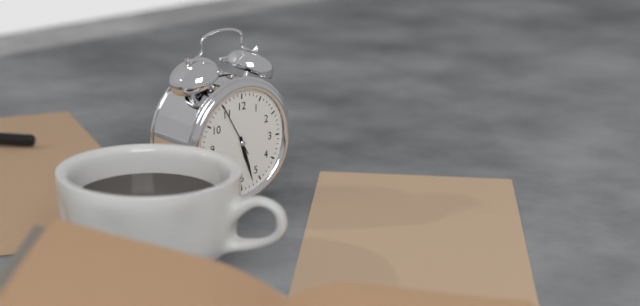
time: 5:27:55
